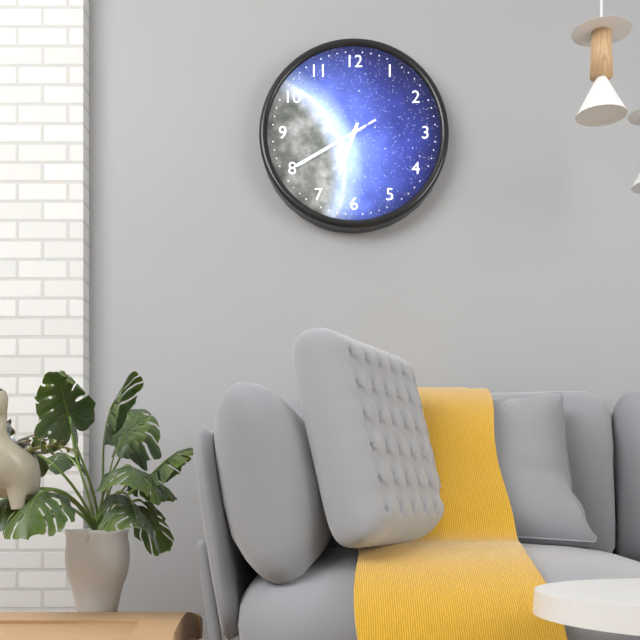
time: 6:40:40
